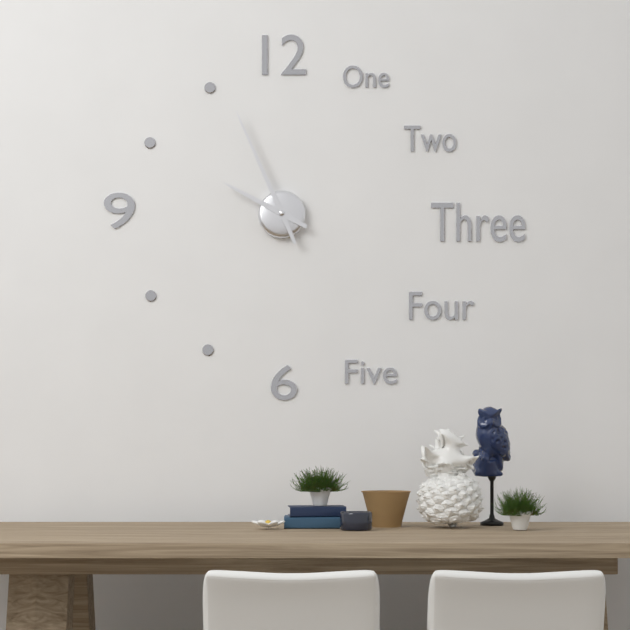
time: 9:56
